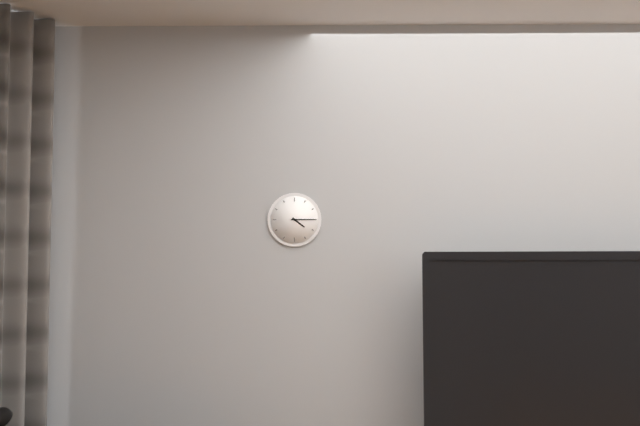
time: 4:15
